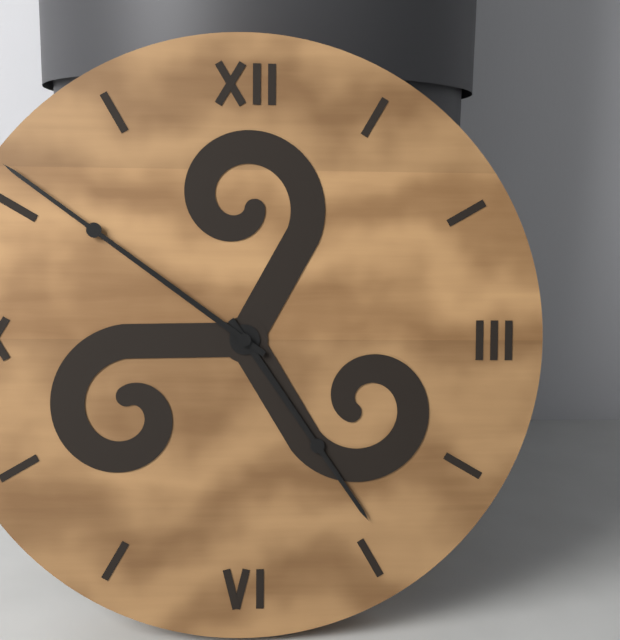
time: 4:51
